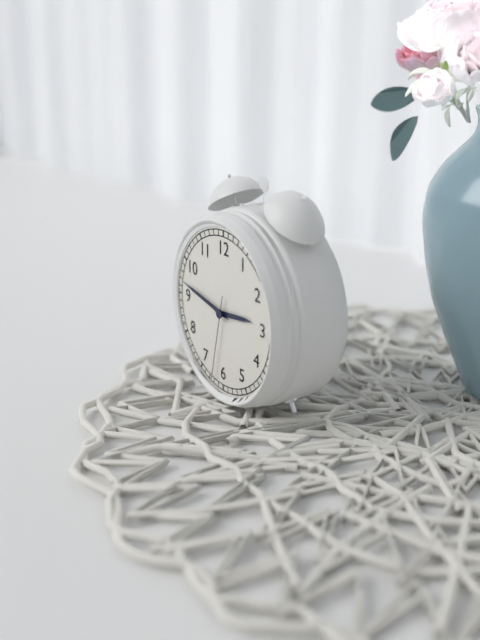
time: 2:47:32
